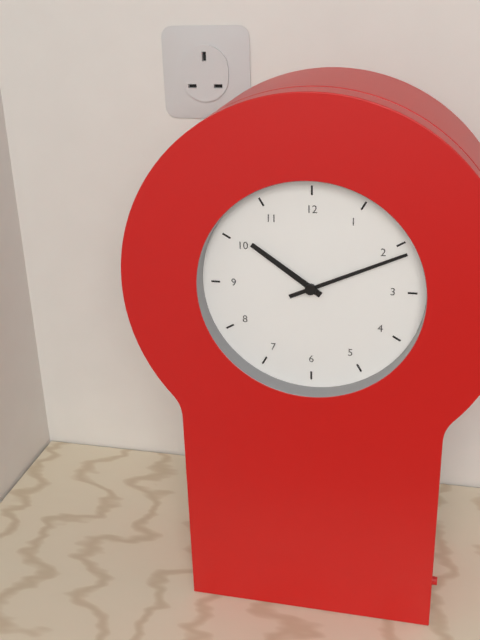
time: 10:11
